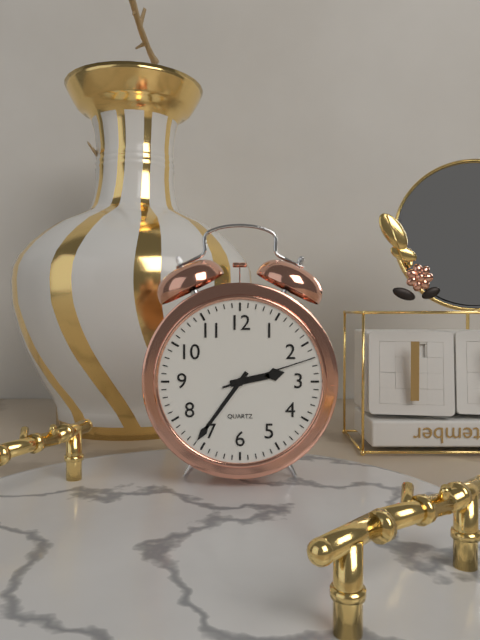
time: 2:36:12
